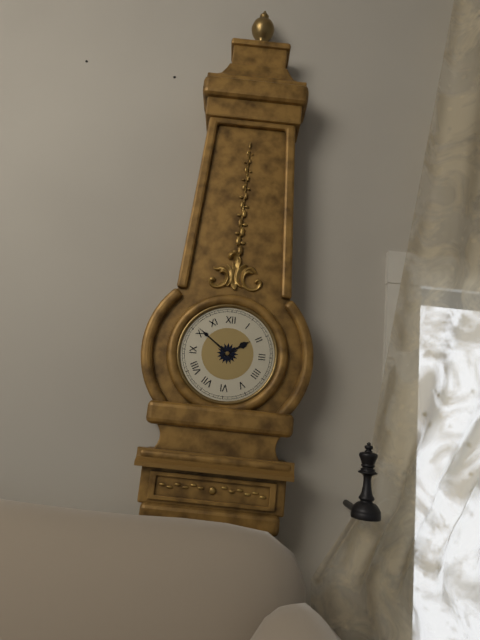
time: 1:51
